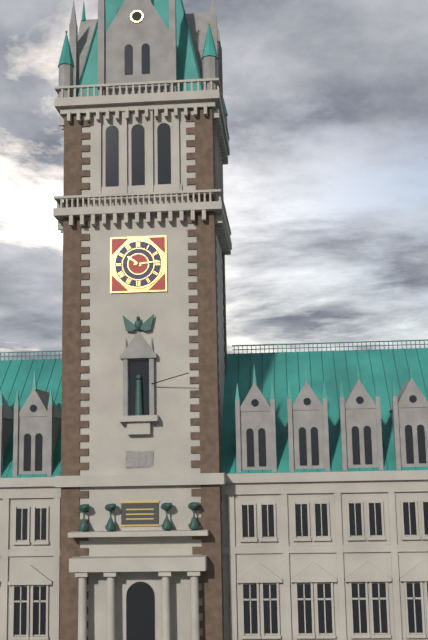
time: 10:14
